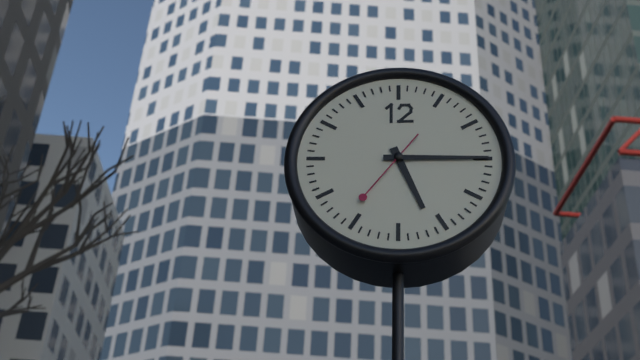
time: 5:15:36
